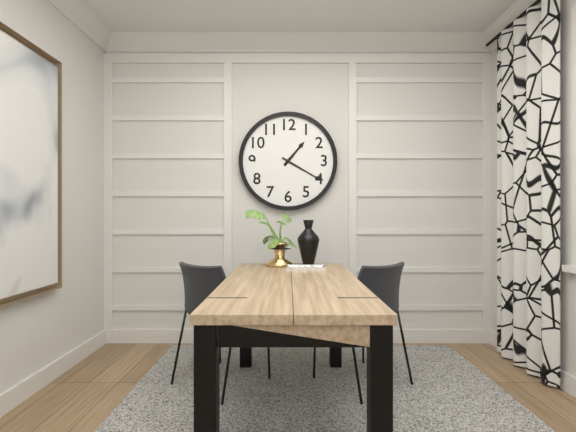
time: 1:20
